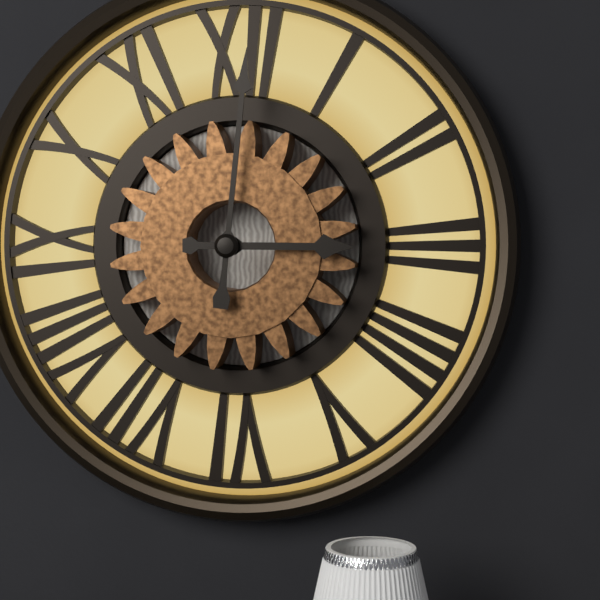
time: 3:01
